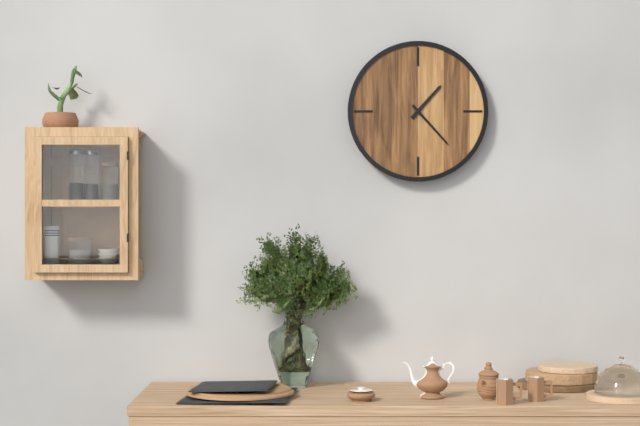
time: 1:23
